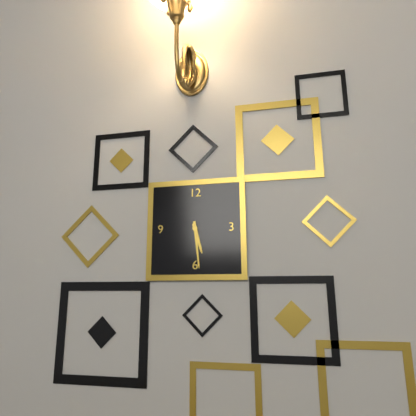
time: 5:29
